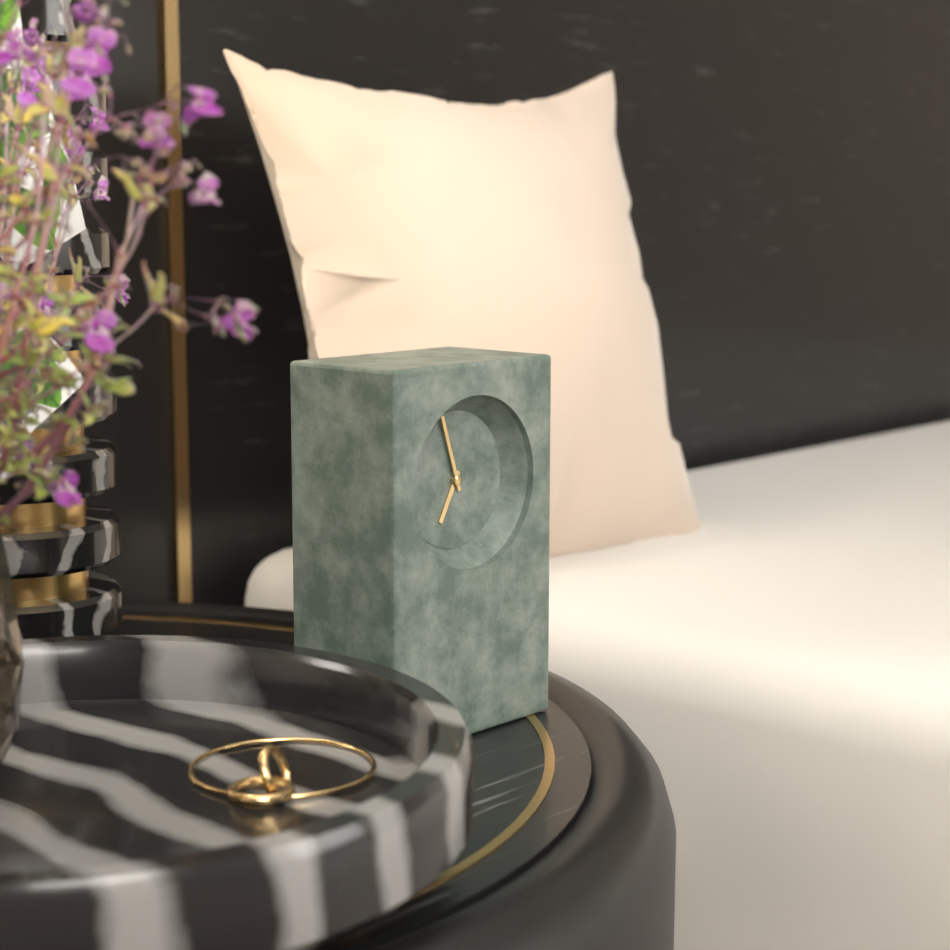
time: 6:57
